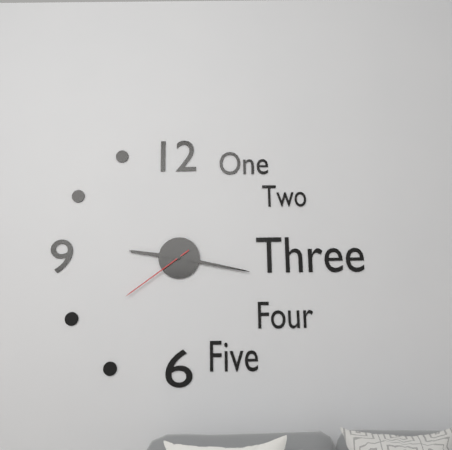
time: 9:17:39
